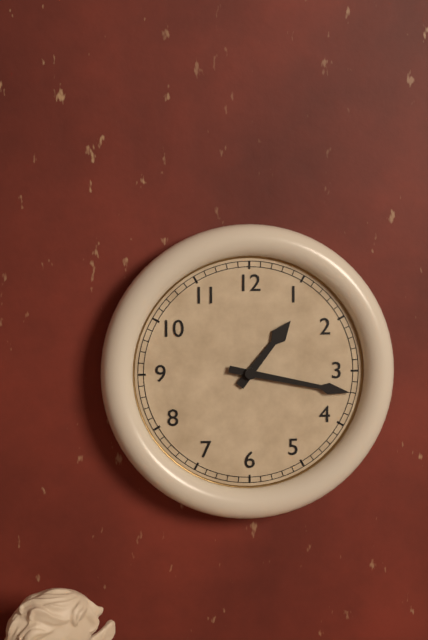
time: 1:17
